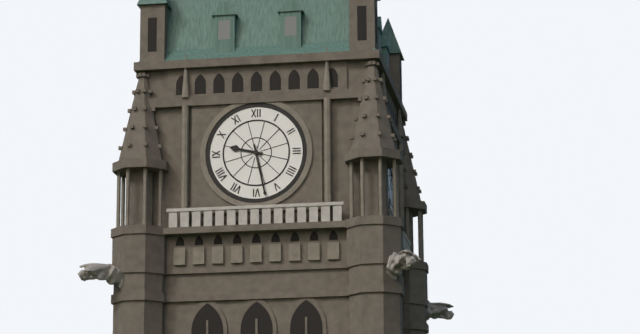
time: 9:28
